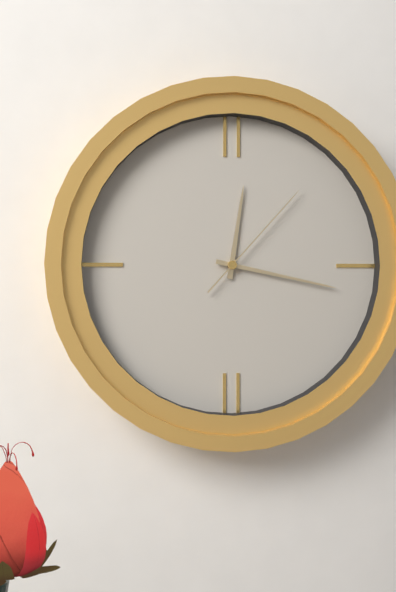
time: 12:17:07
